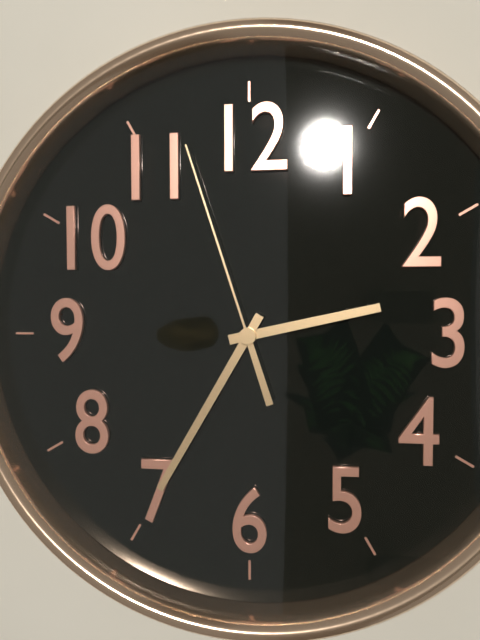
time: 2:35:57
